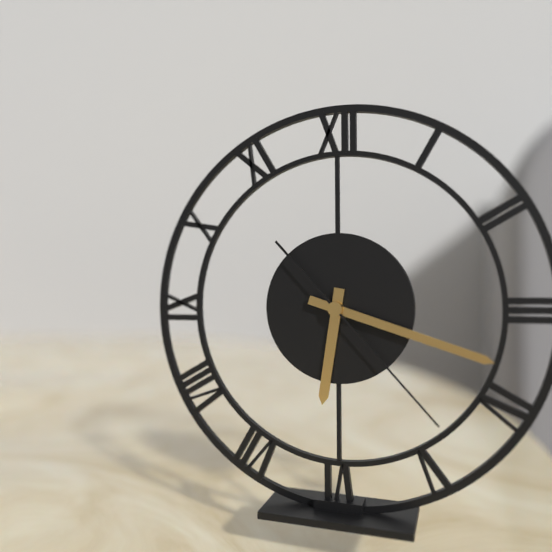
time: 6:18:23
